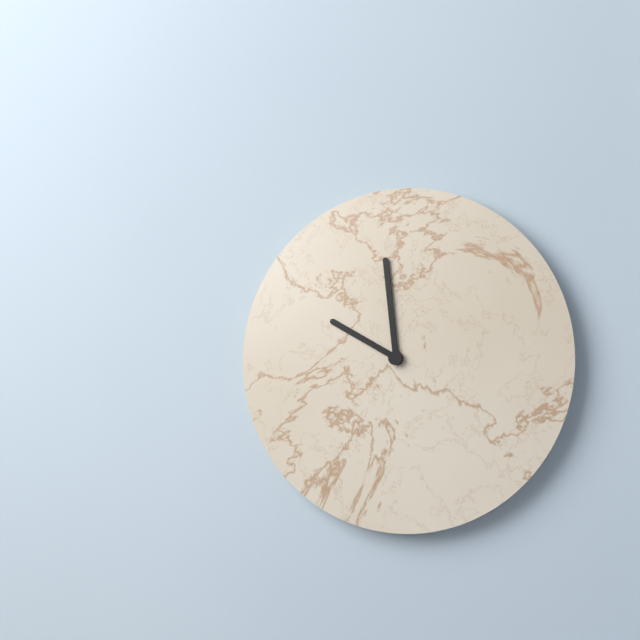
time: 9:59
